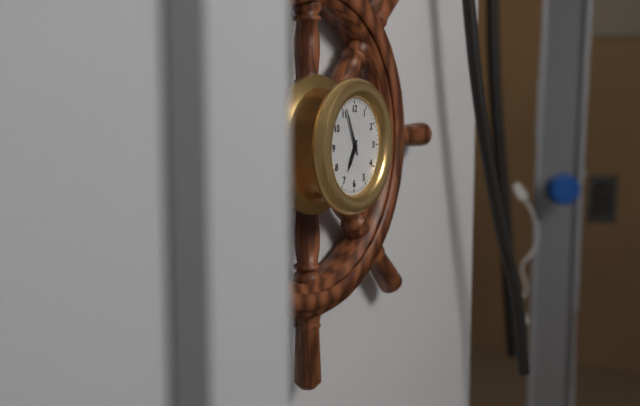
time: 6:56
